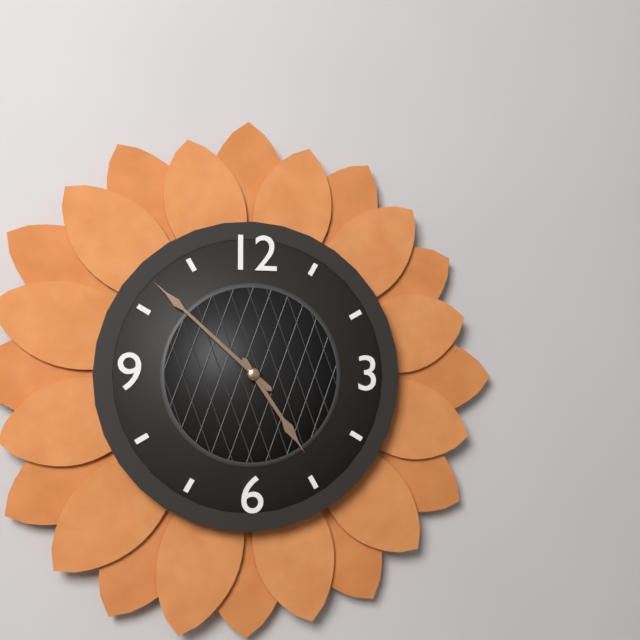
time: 4:52
